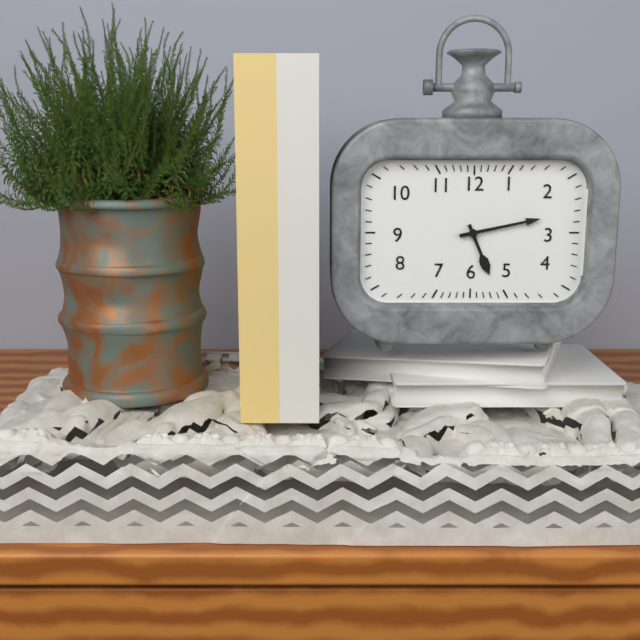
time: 5:13
